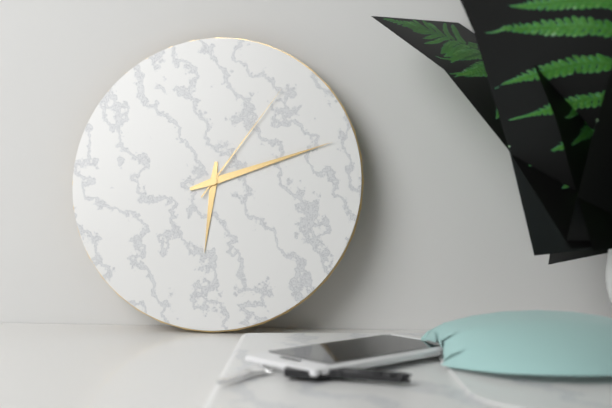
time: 6:12:06
